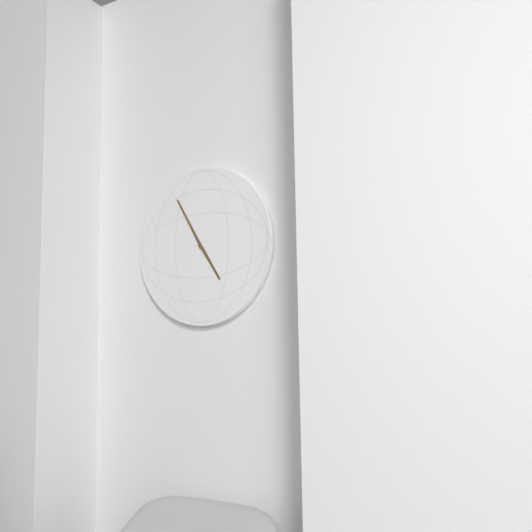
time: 4:55
